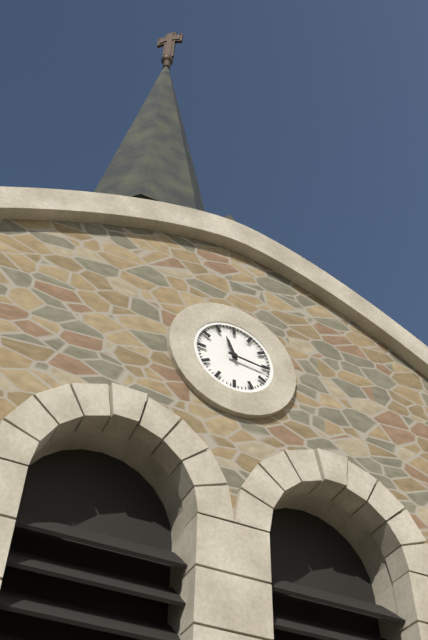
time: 11:16
